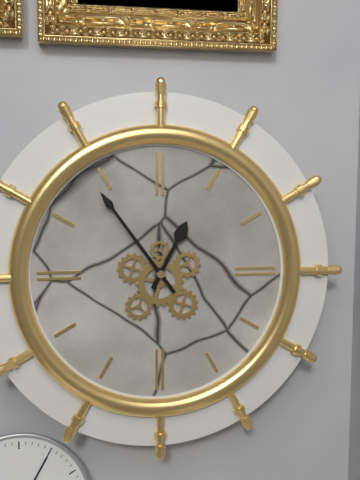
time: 12:54
